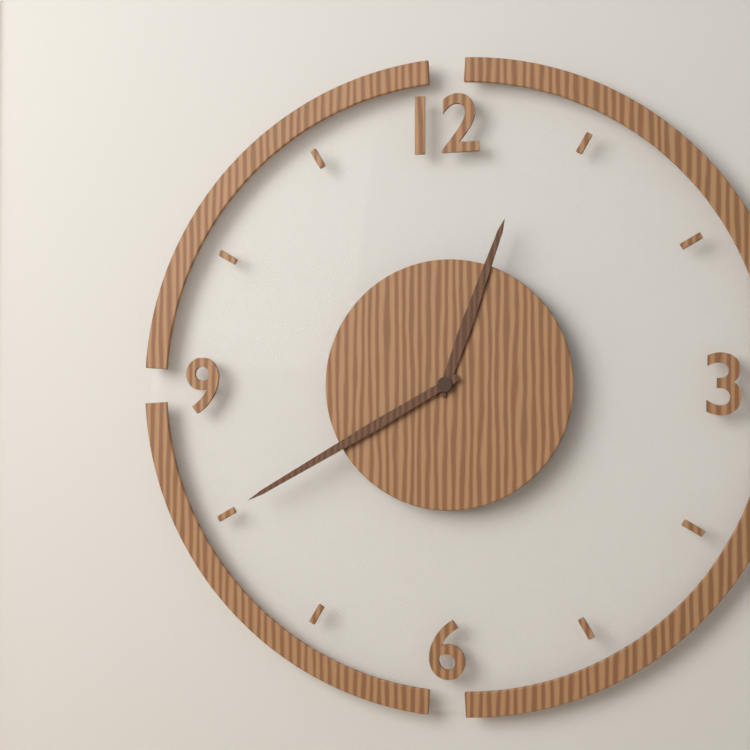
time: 12:40
